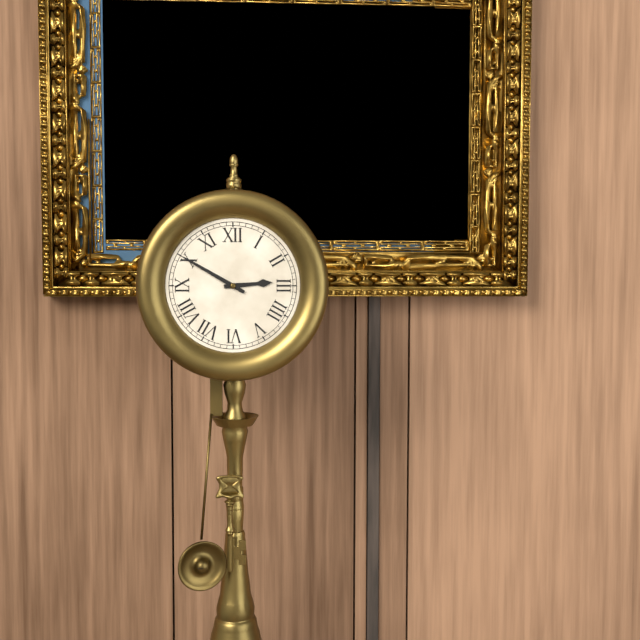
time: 2:50
